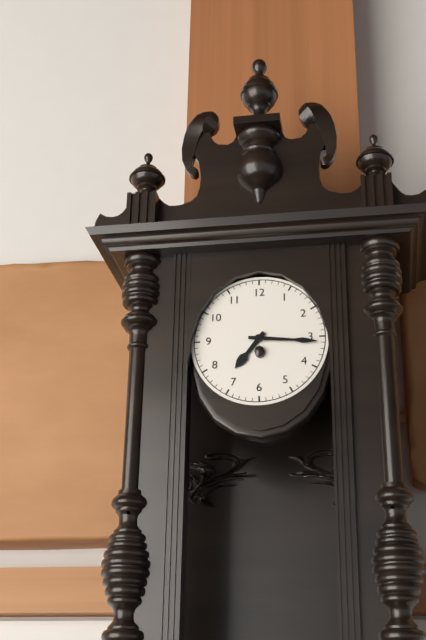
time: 7:16
